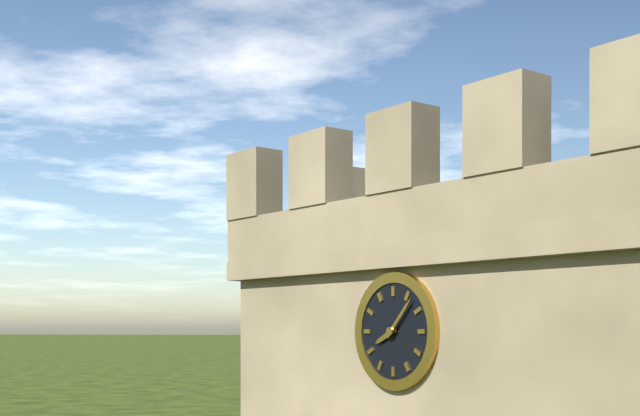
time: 8:07
